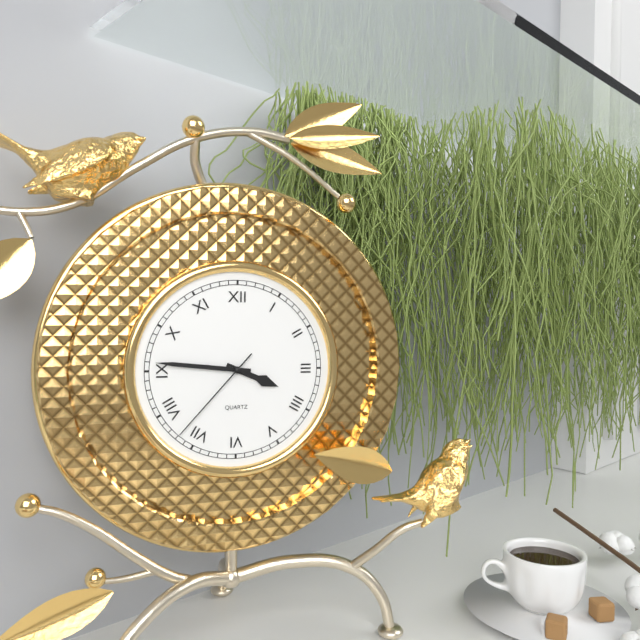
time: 3:46:37
